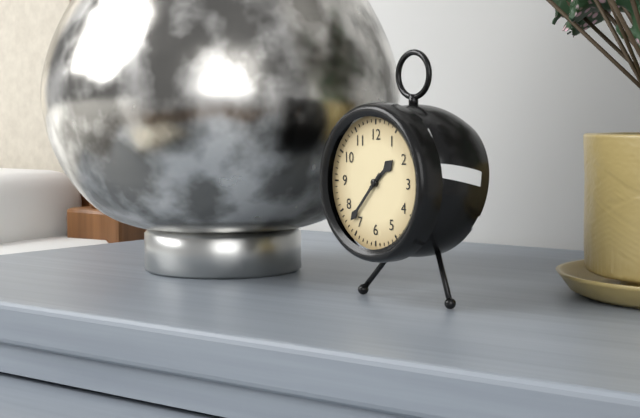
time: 1:37
